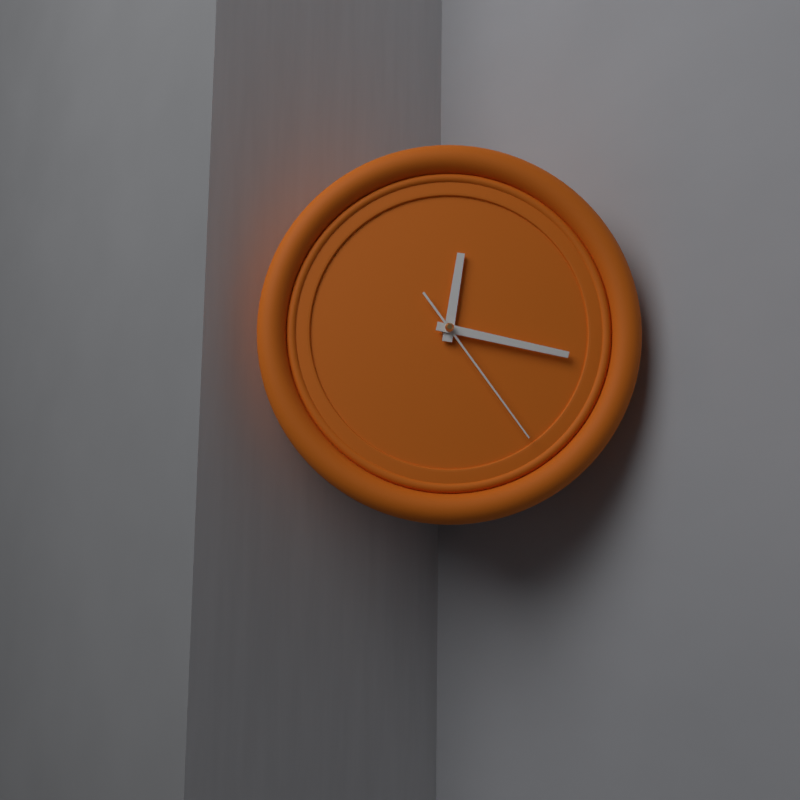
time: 12:17:24
